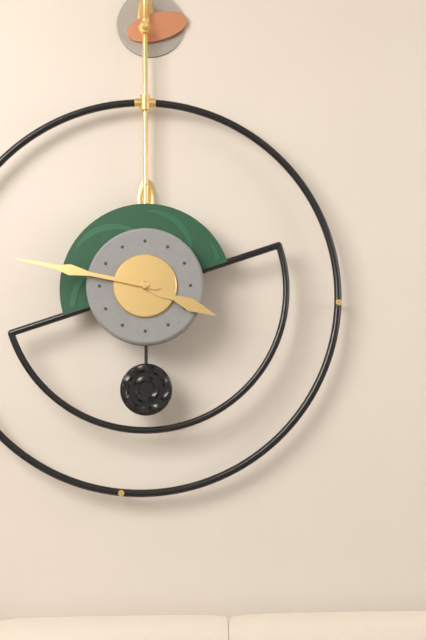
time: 3:47
